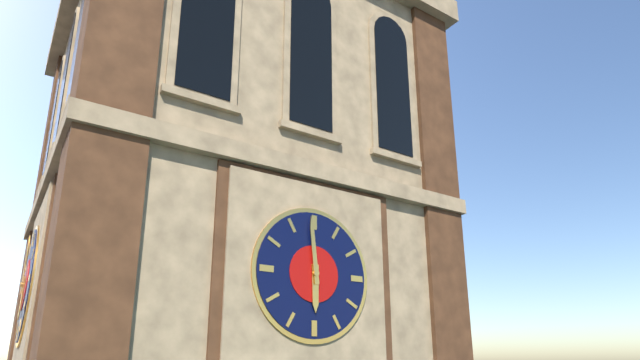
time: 5:59
